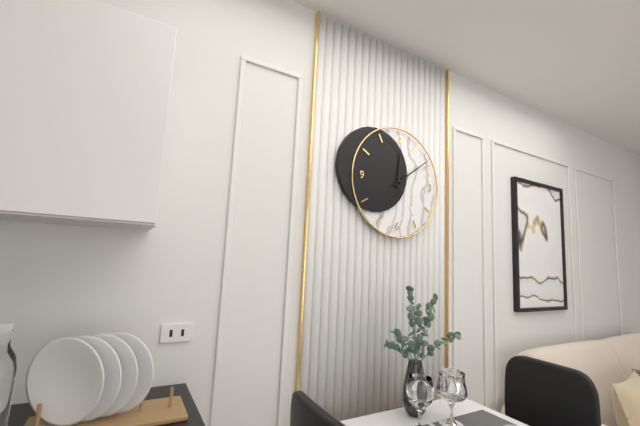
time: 12:09
